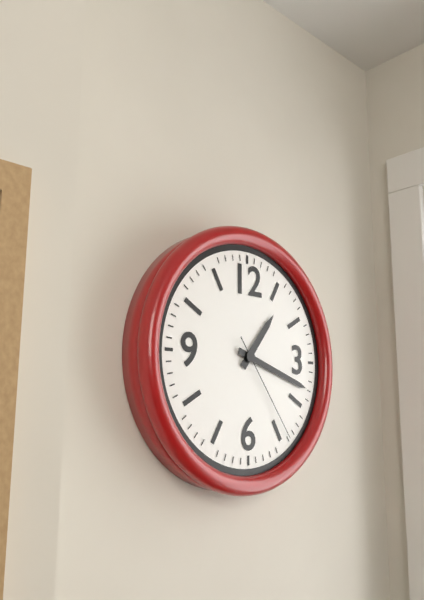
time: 1:18:24
